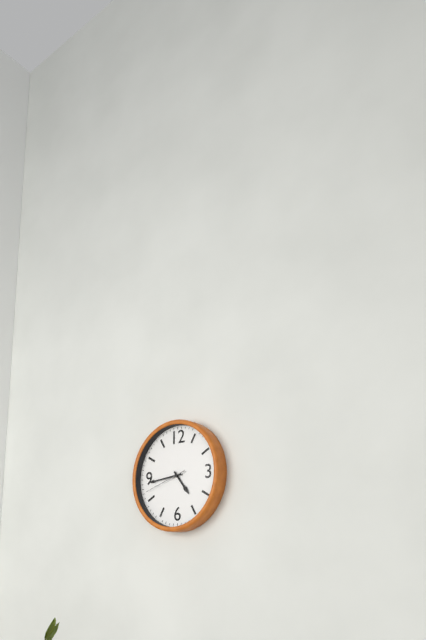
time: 4:44
